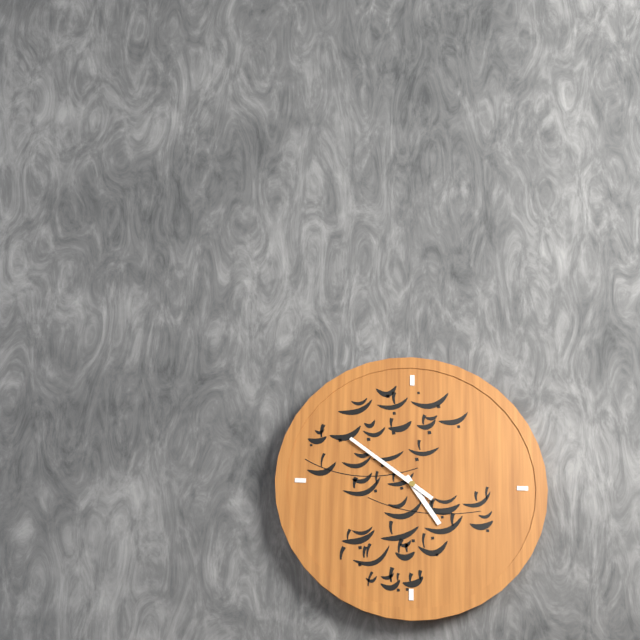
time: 4:51
